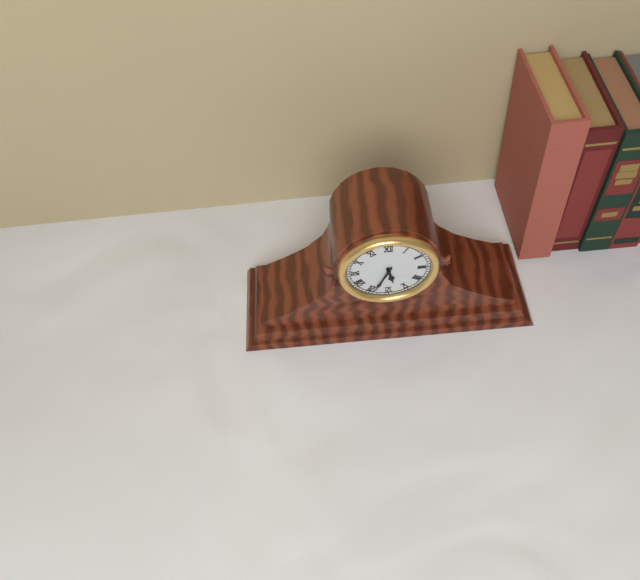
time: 5:34
